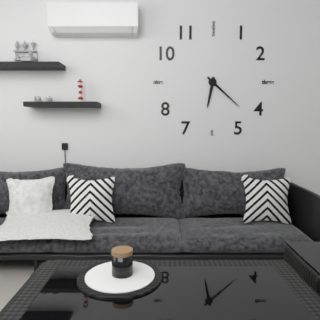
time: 6:22
